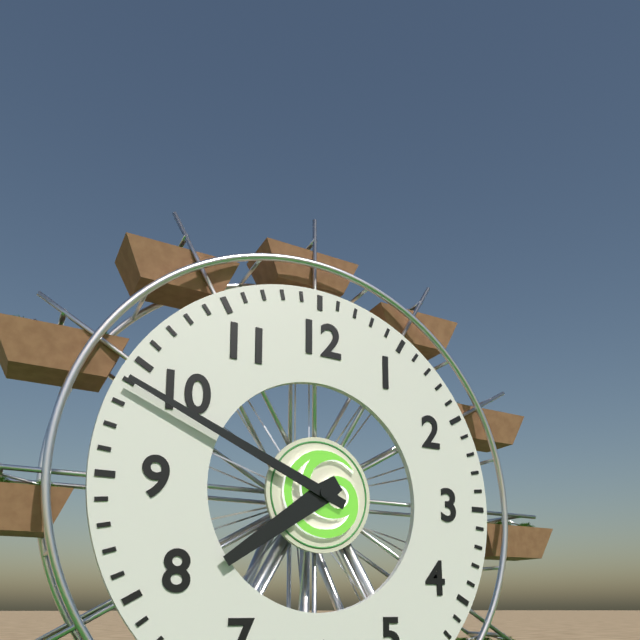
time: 7:49
